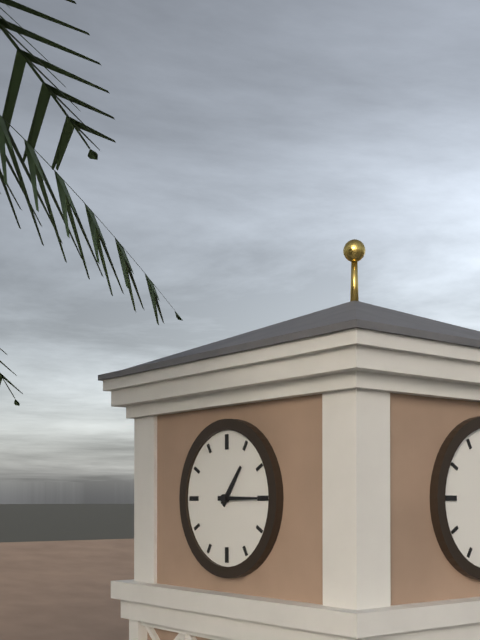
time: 1:15
